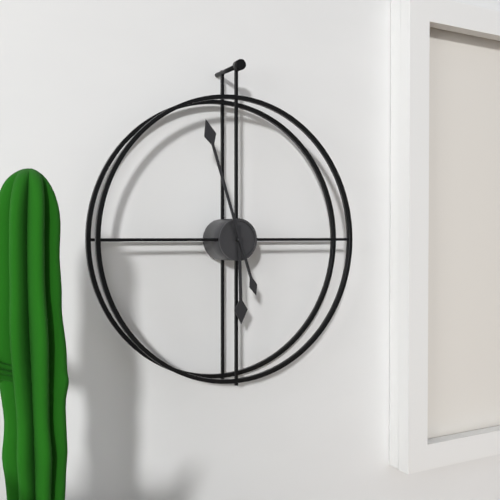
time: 5:57
